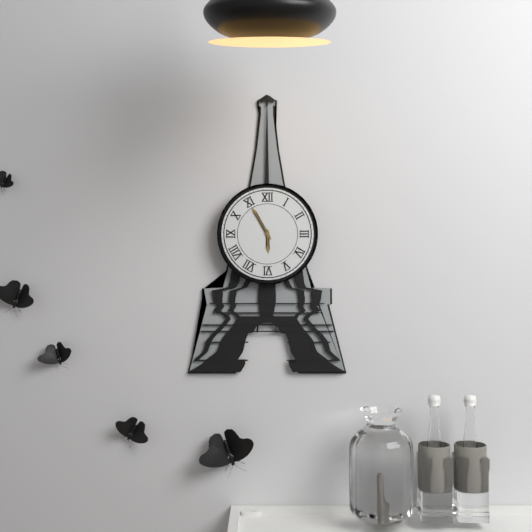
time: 5:55
